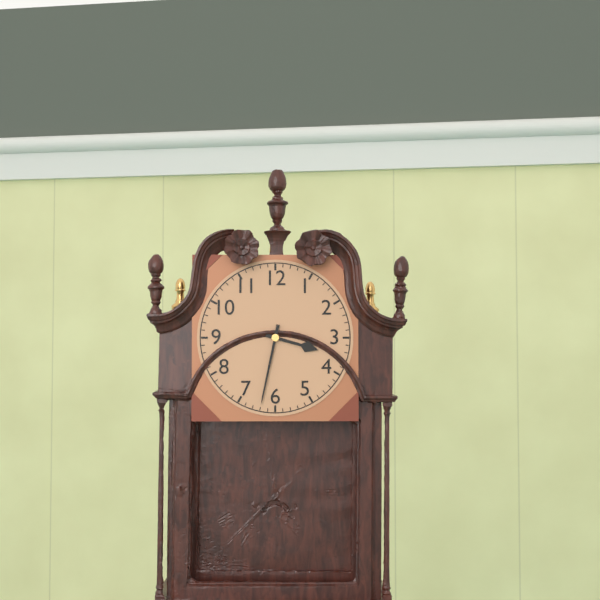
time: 3:32
